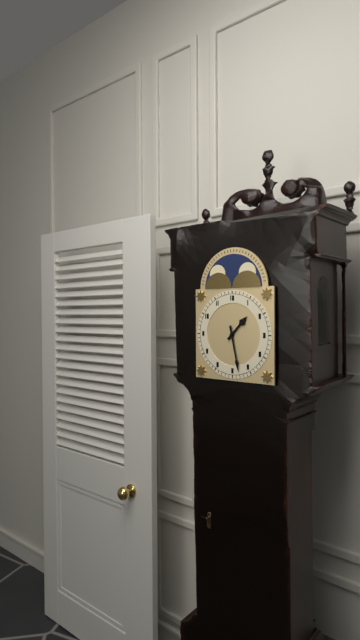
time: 1:28
